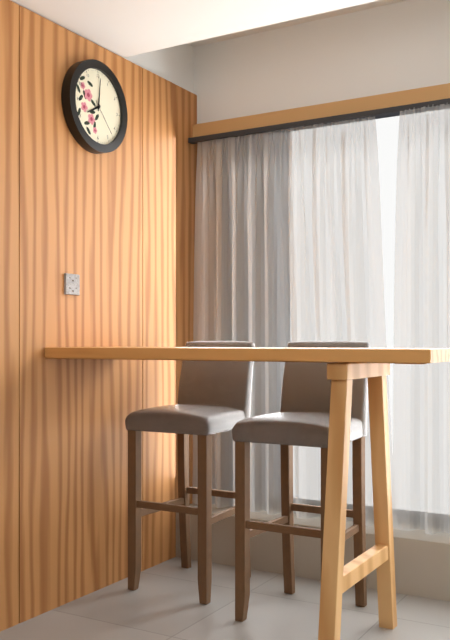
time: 8:01
